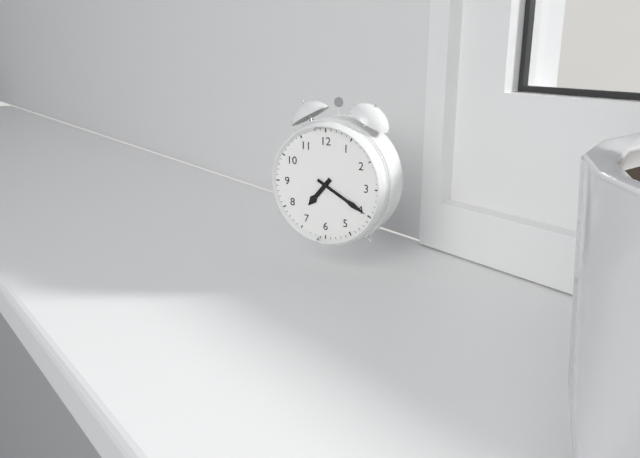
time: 7:20
